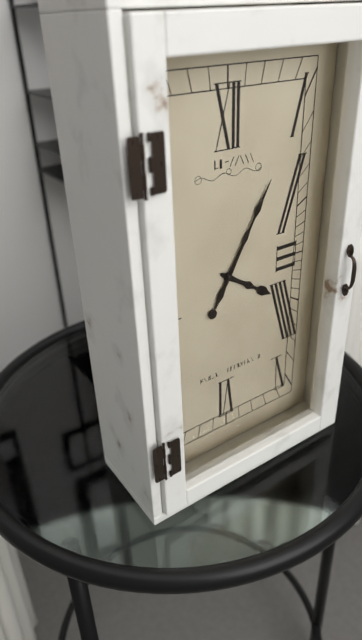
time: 4:05
